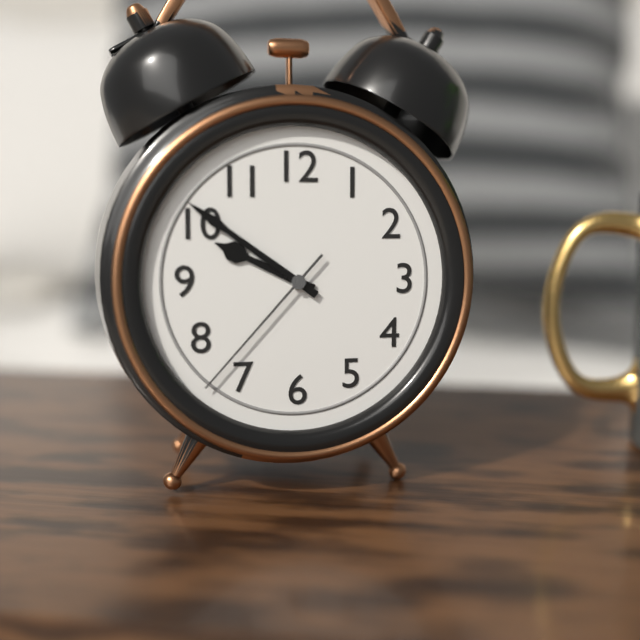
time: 9:51:37
